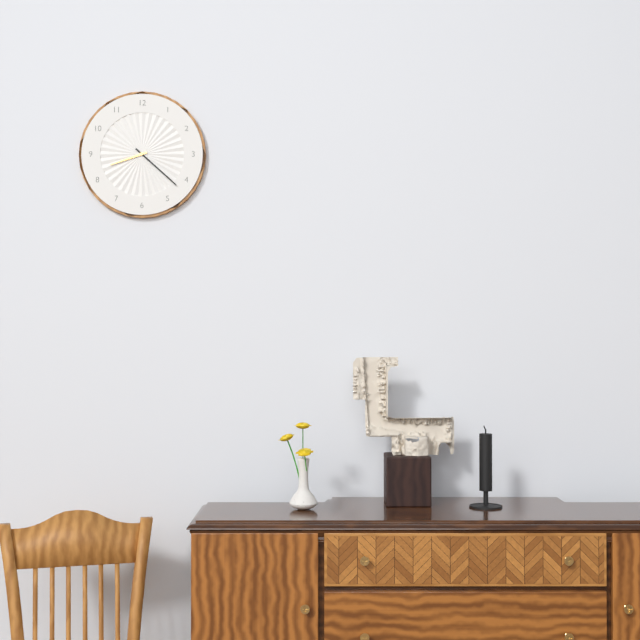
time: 8:22
